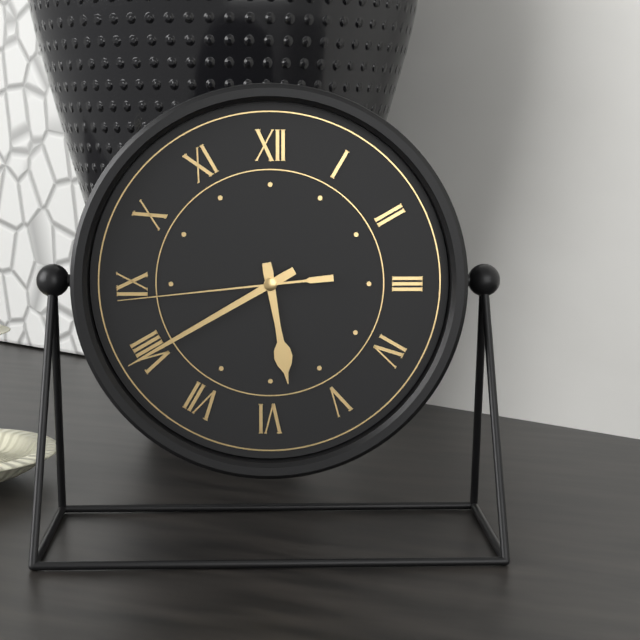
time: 5:40:44
